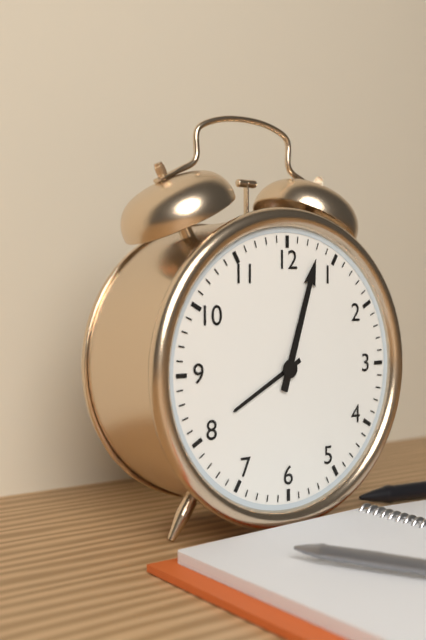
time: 8:03
